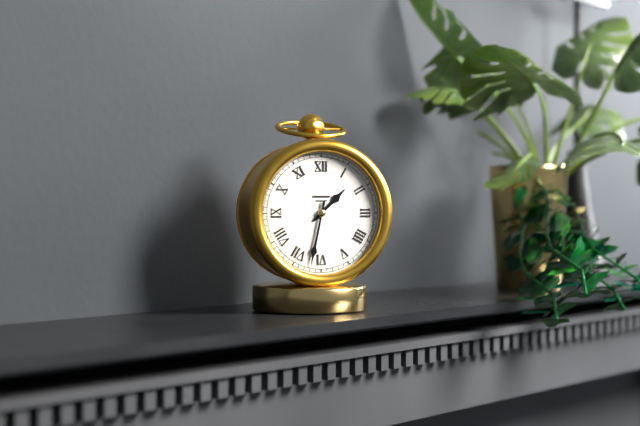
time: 1:32
